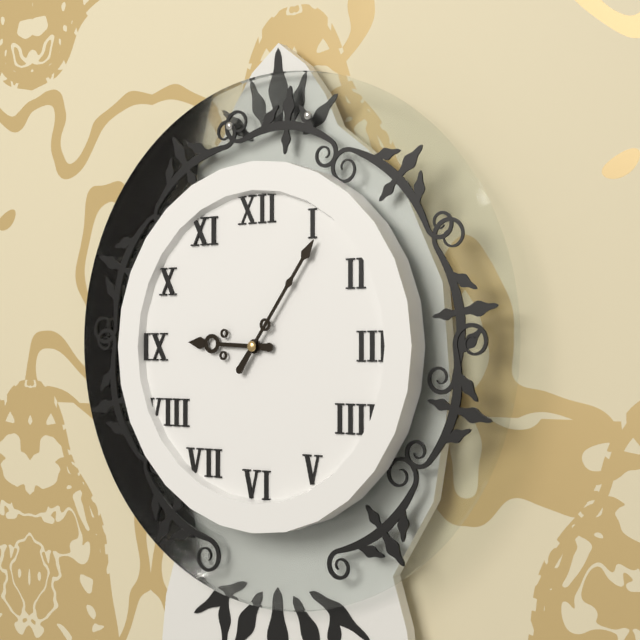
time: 9:06
